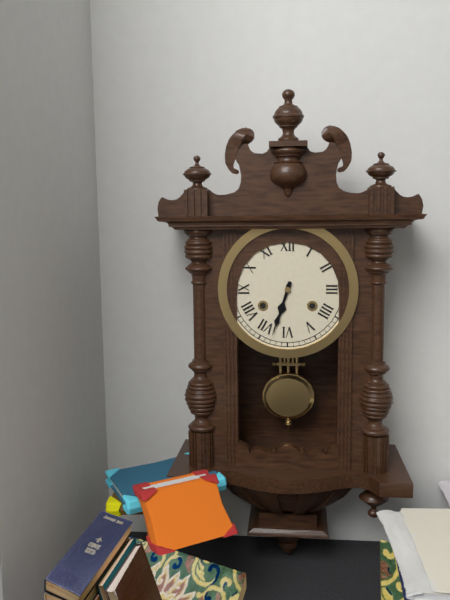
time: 6:33
